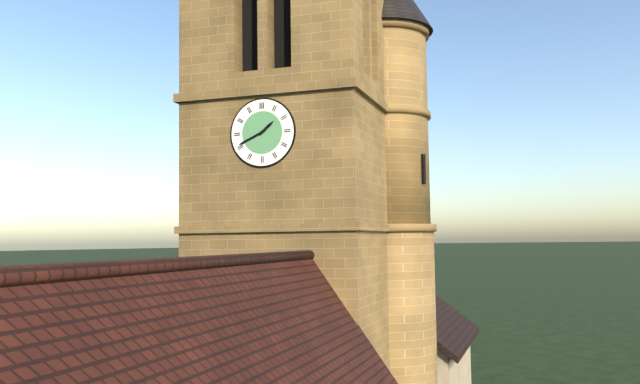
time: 1:41
